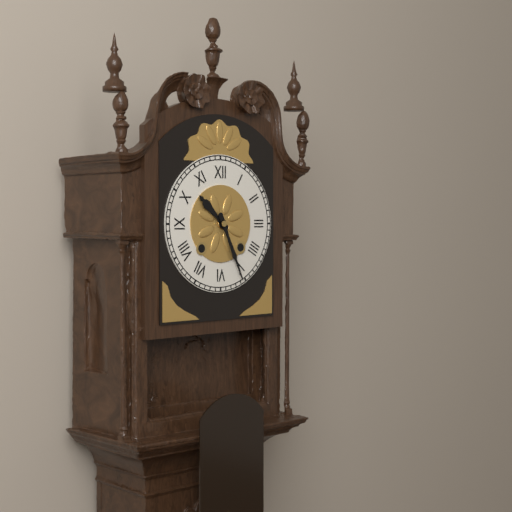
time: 10:26
